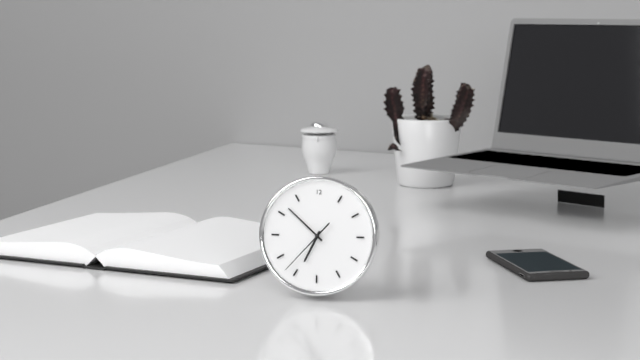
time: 6:52:37
